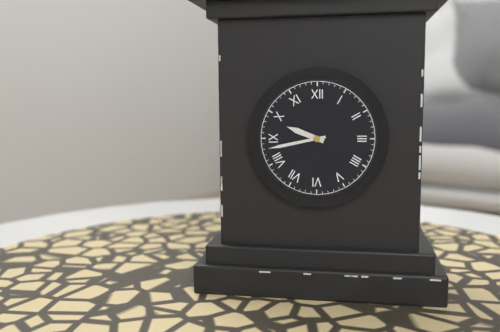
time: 9:43
